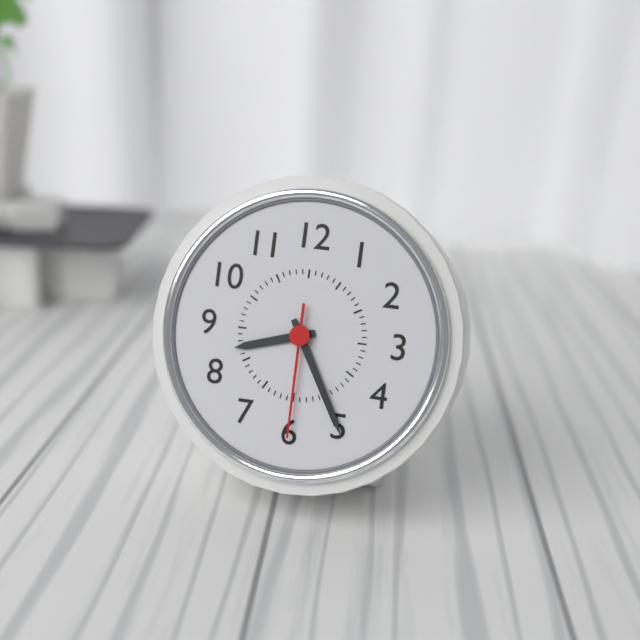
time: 8:25:30
